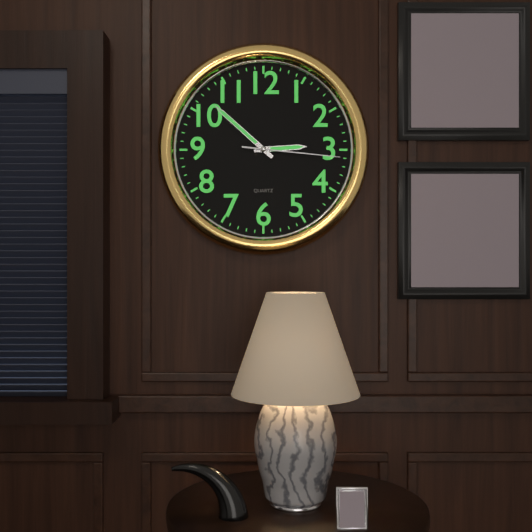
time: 2:52:16
